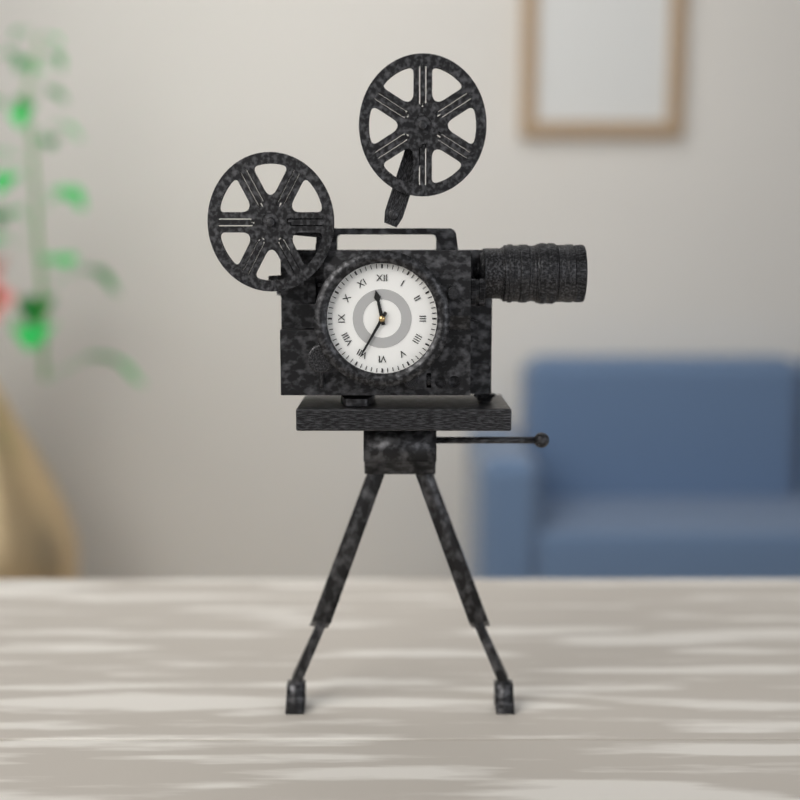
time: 11:35
